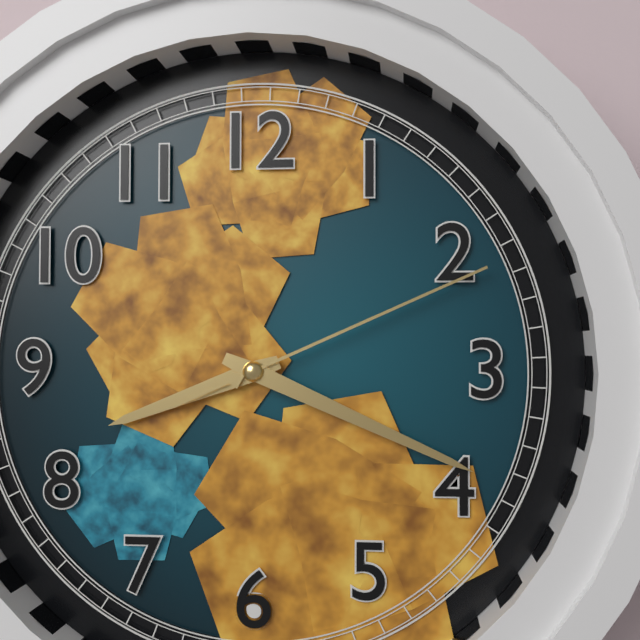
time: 8:19:11
